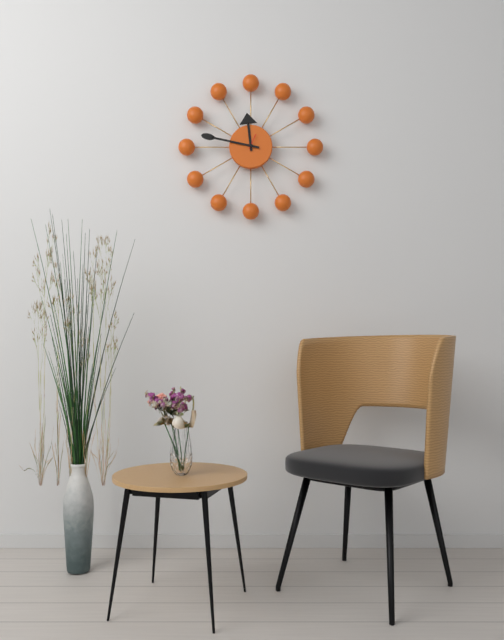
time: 11:47
